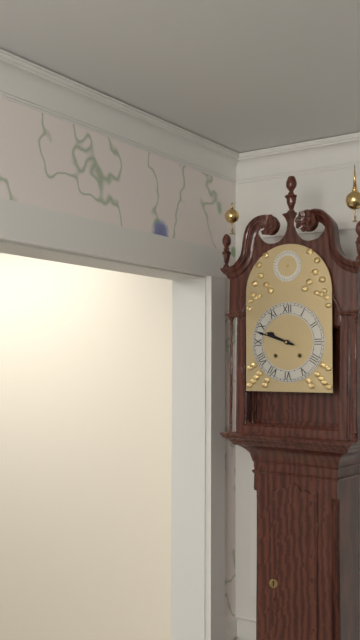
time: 9:48
